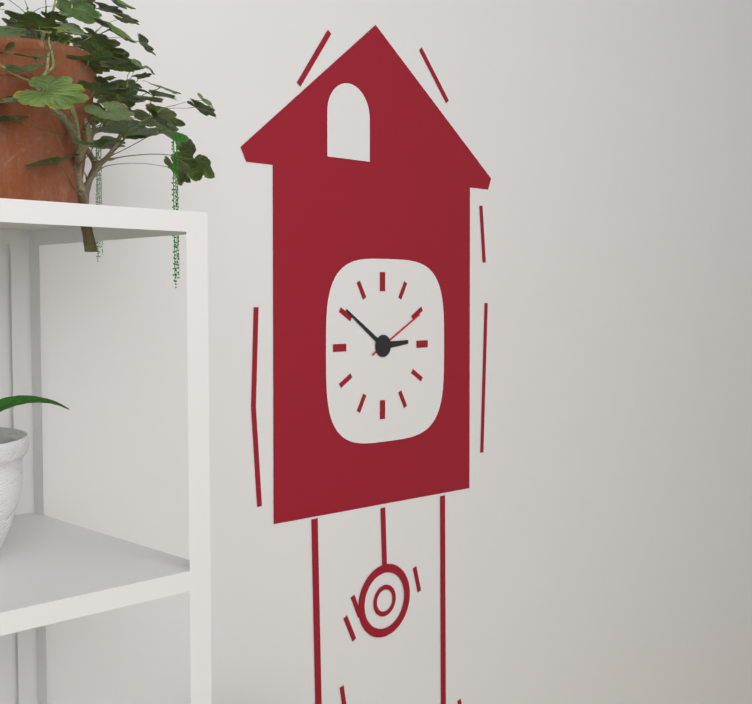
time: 2:51:10
